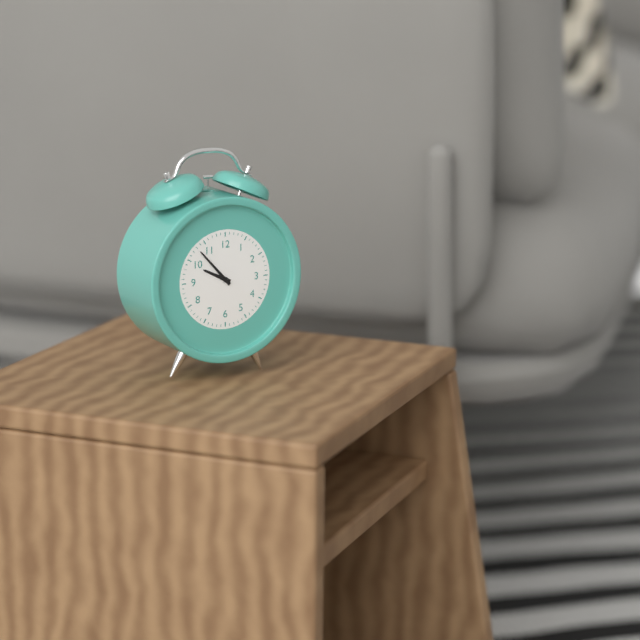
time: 9:53
